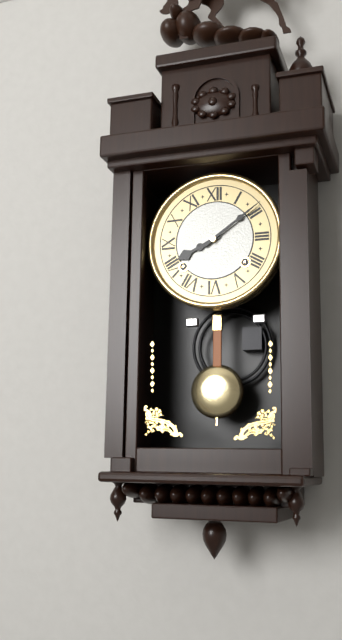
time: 8:09
